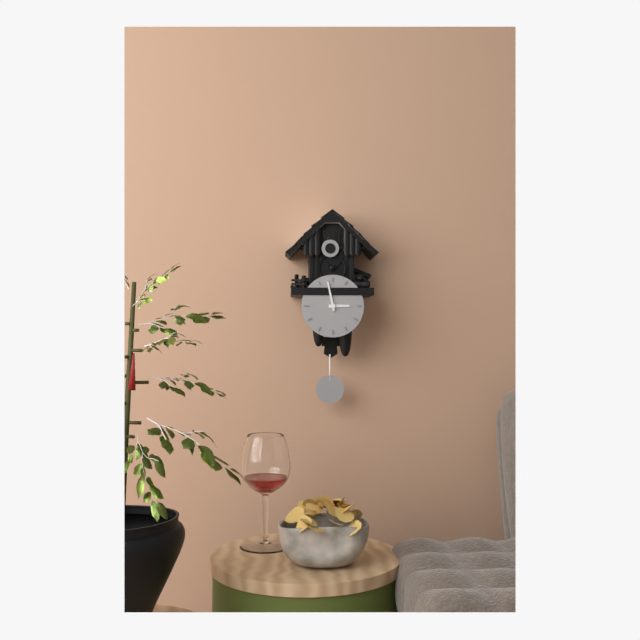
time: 2:58
